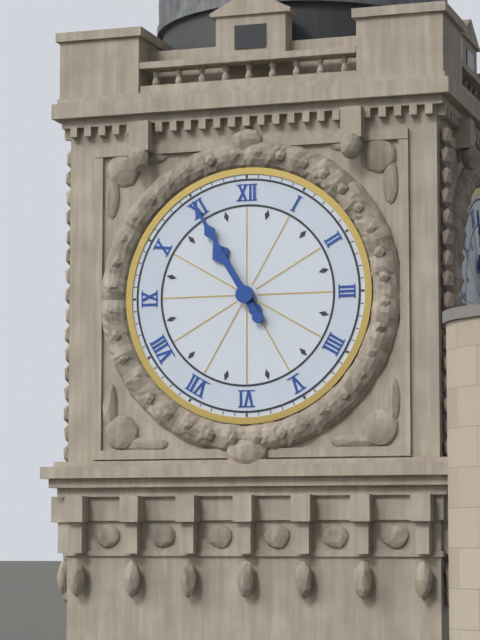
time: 10:55
